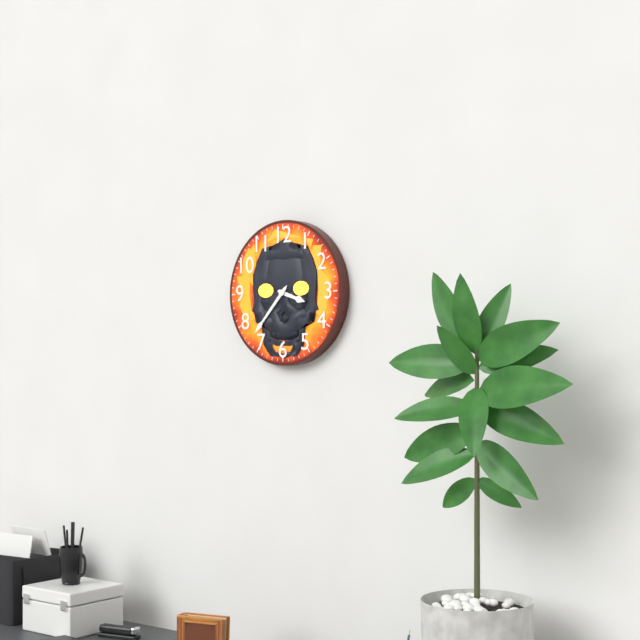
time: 3:37
